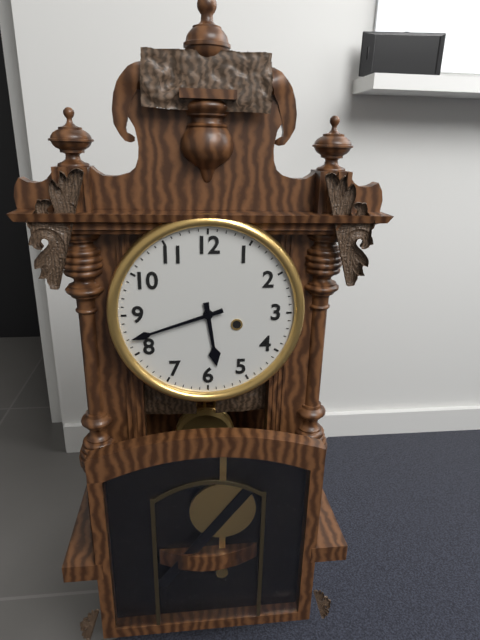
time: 5:42
